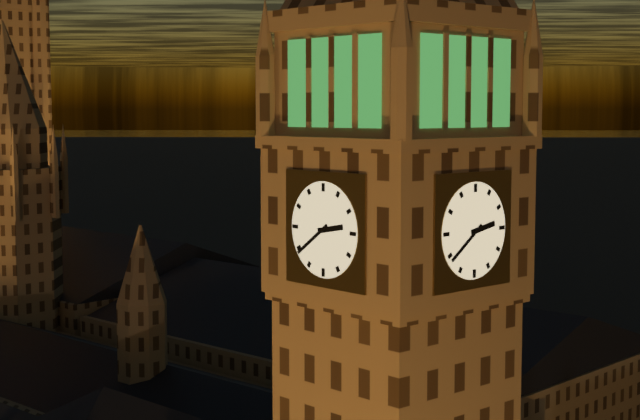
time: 2:39
